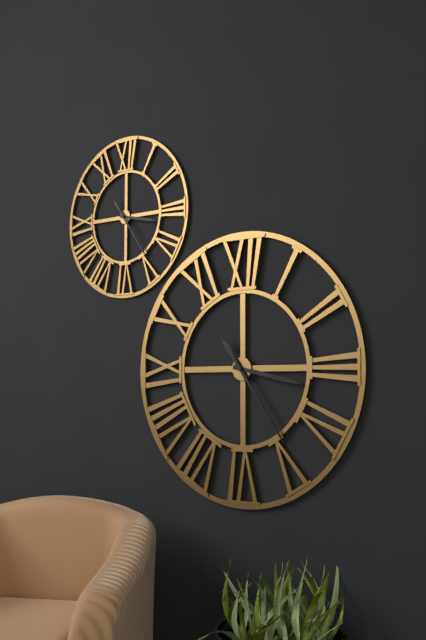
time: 3:24
